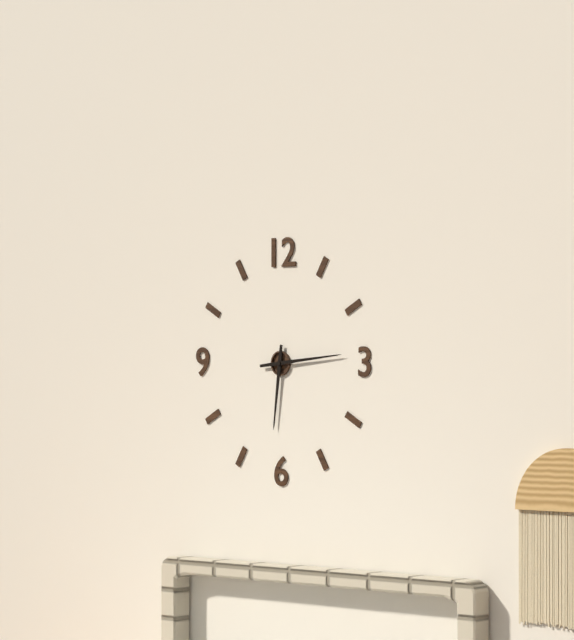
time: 6:14
